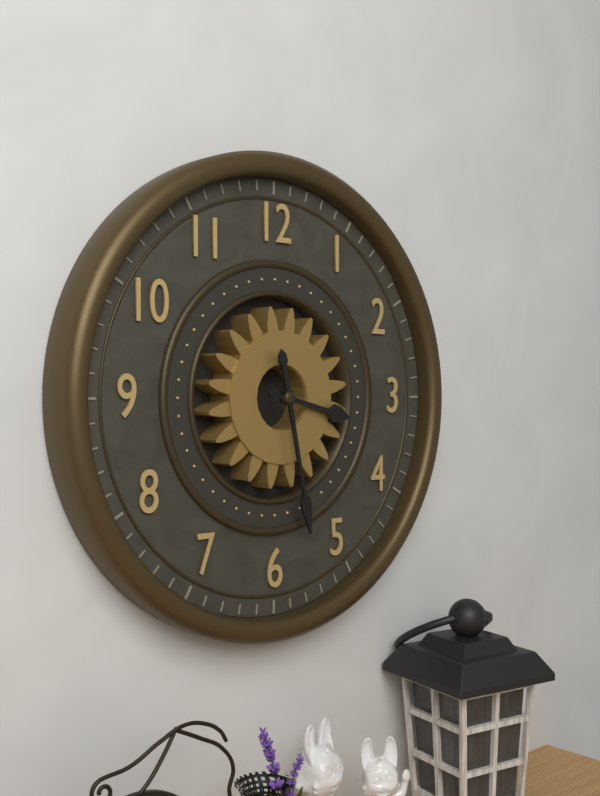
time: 3:28
